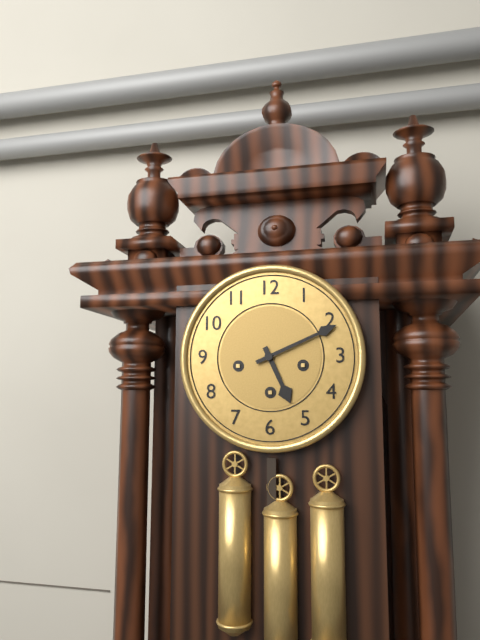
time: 5:11
